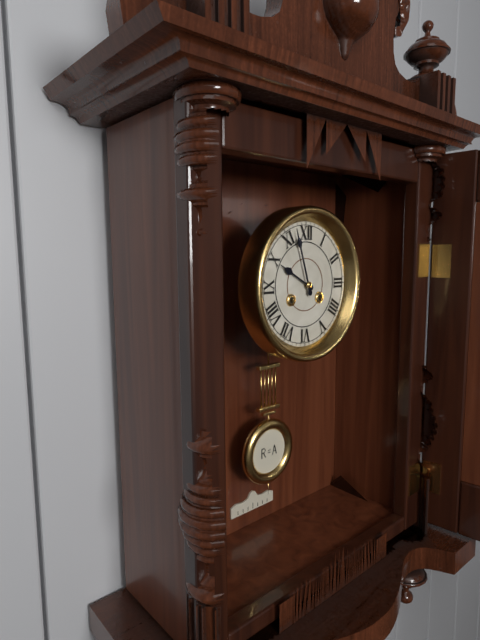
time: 9:57
